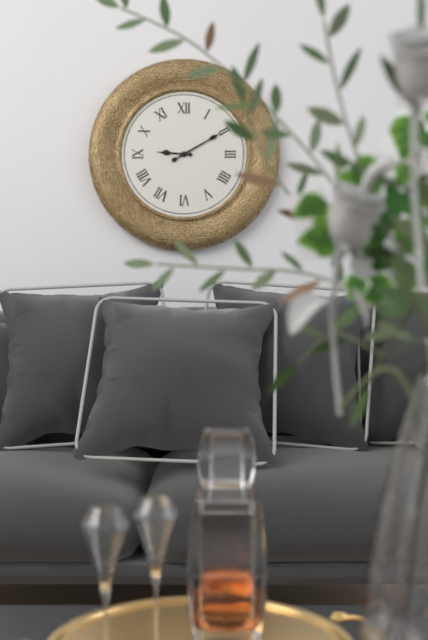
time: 9:10
